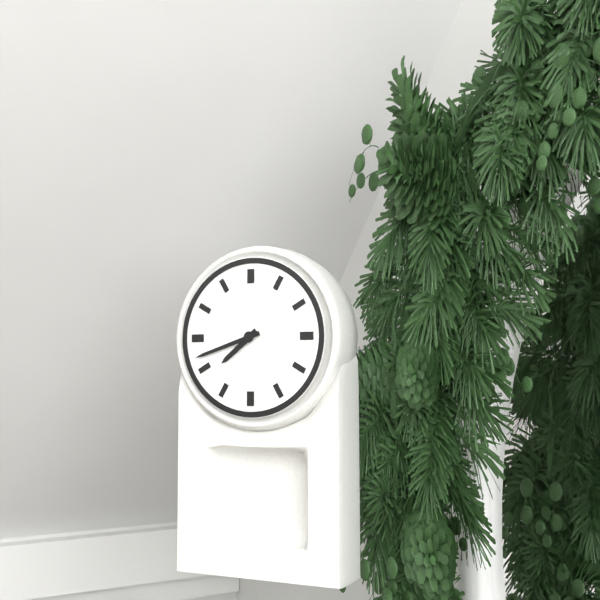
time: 7:42
